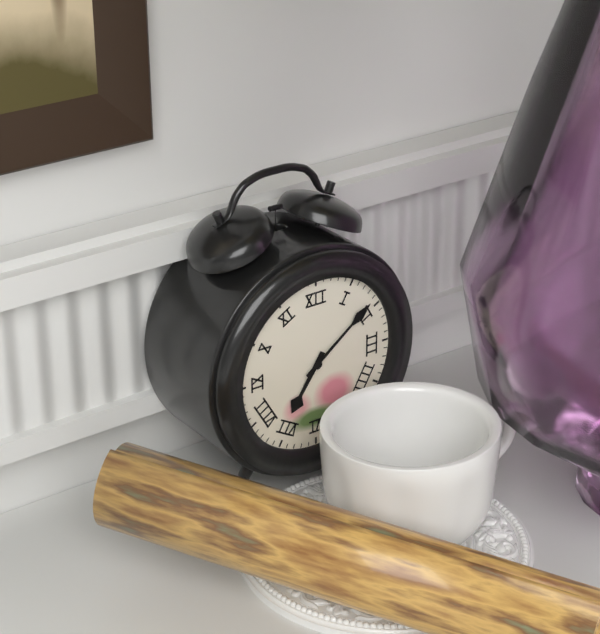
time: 7:09
